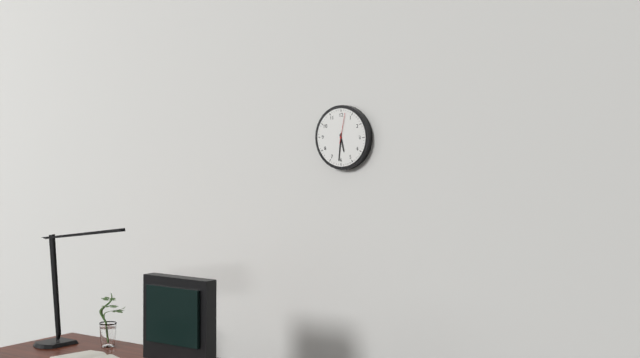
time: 5:31
